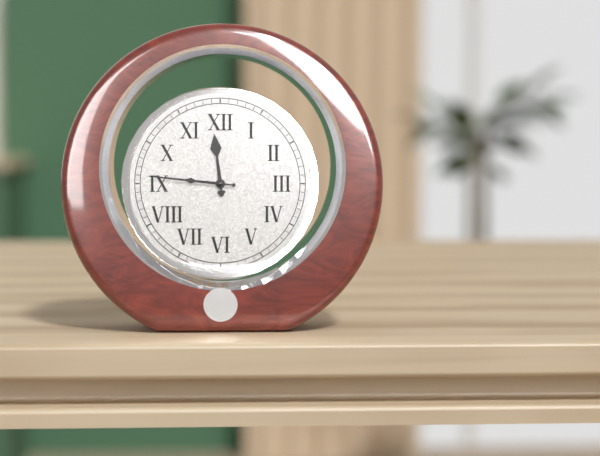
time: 11:46
